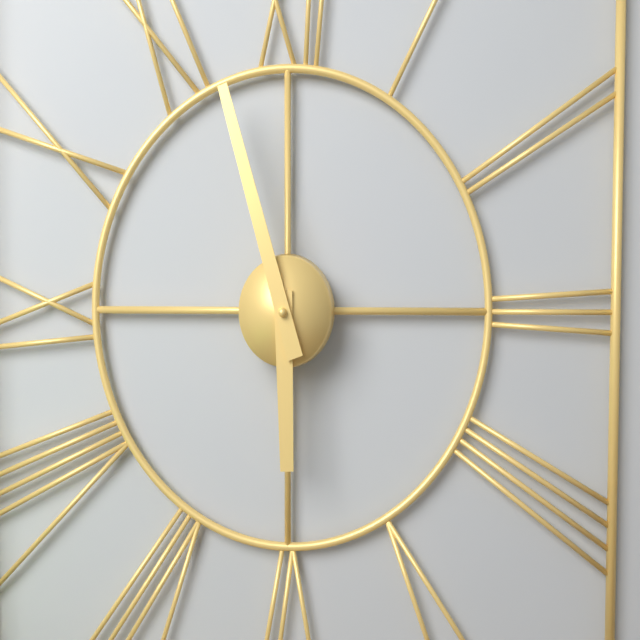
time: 5:57
